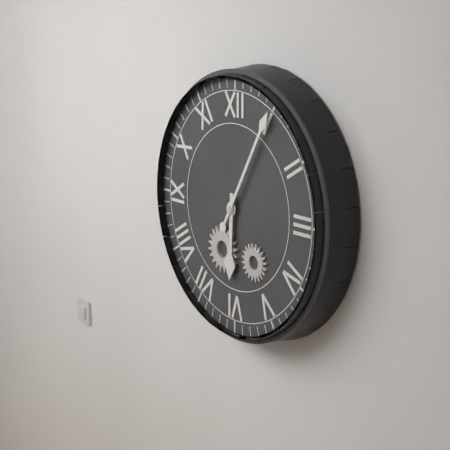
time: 6:05
